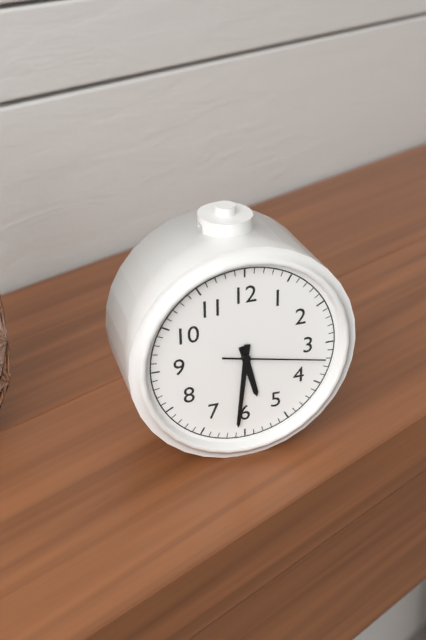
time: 5:31:17
